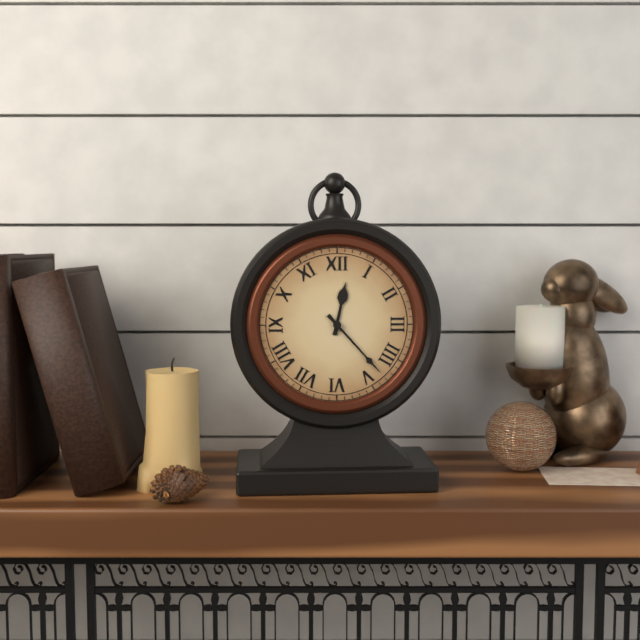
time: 12:23
